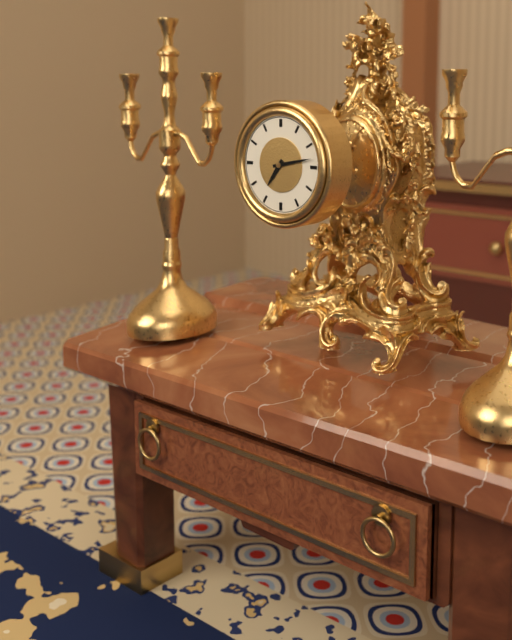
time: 7:13
